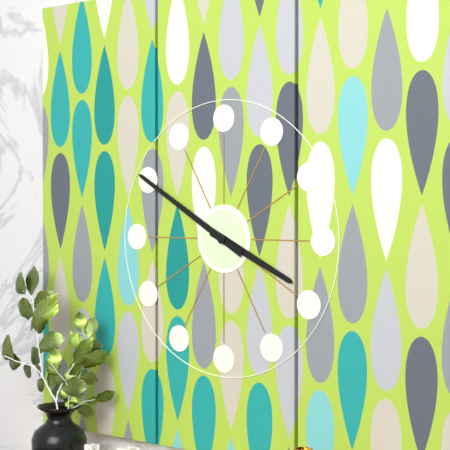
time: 3:50
